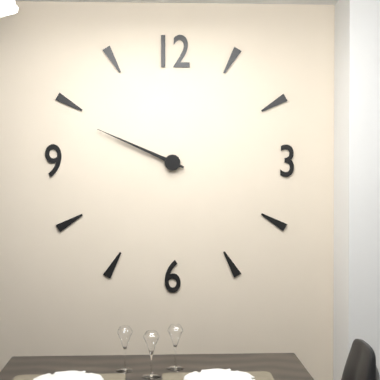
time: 9:49
